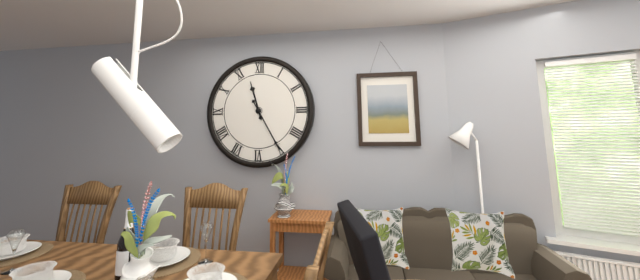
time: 11:25
